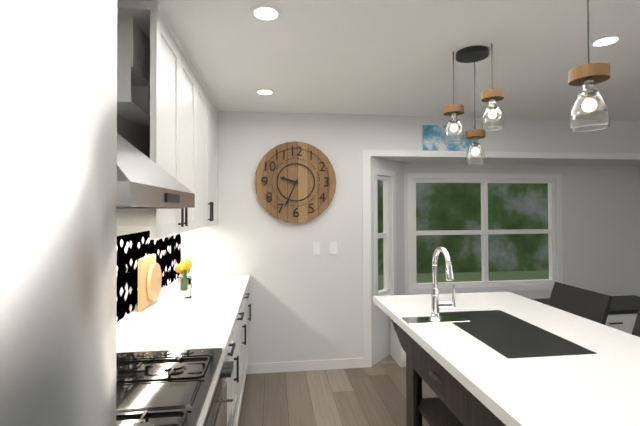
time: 9:34
